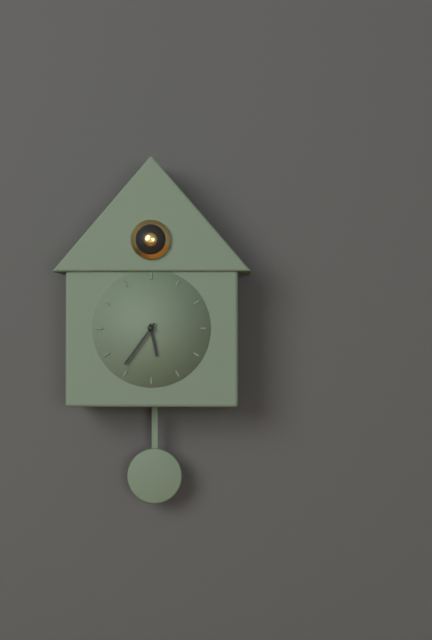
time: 5:36
